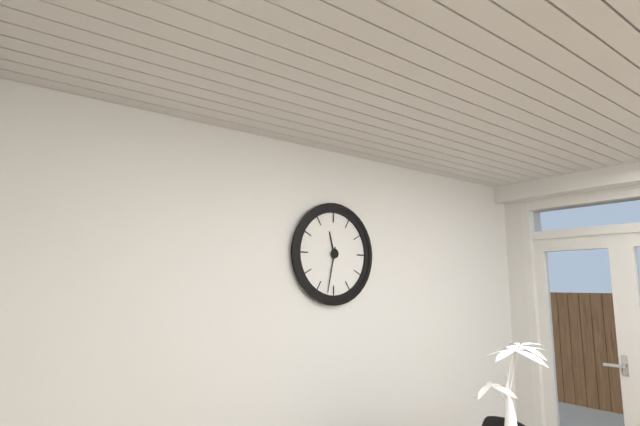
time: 11:32
